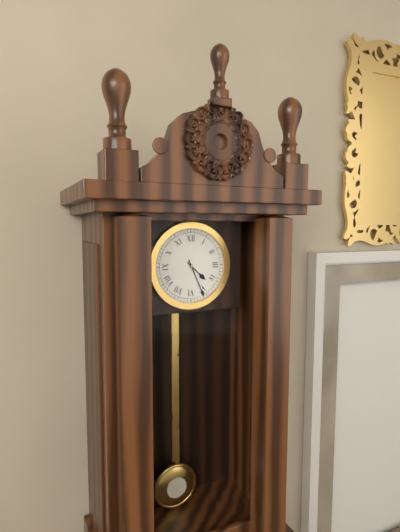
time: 4:26
